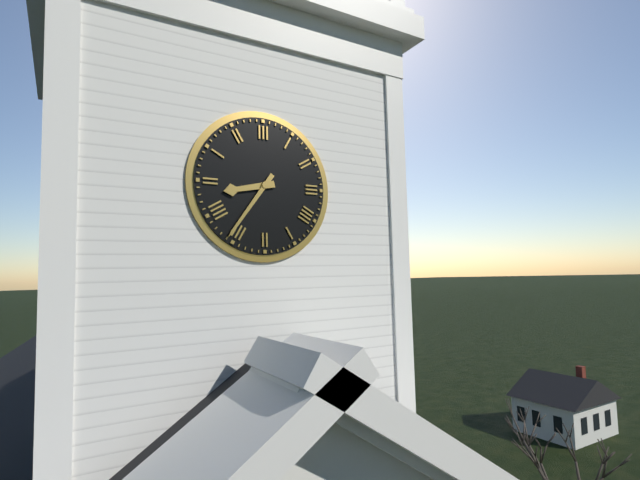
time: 8:36
